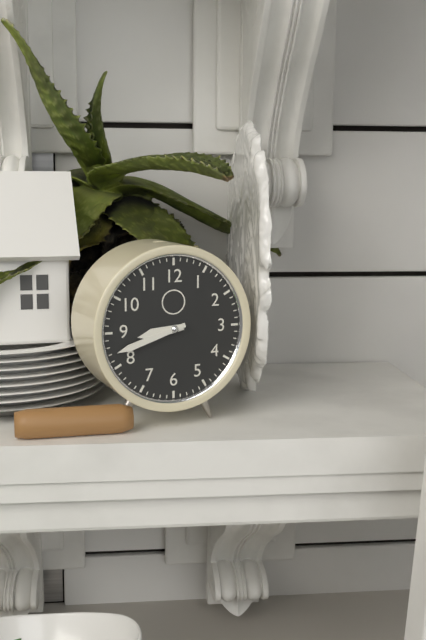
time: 8:42
